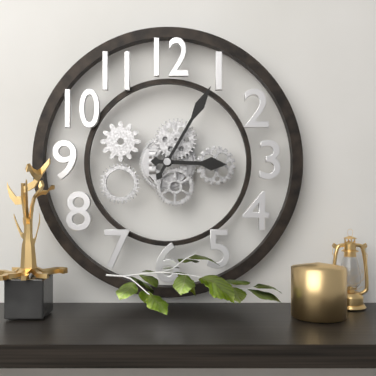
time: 3:05
